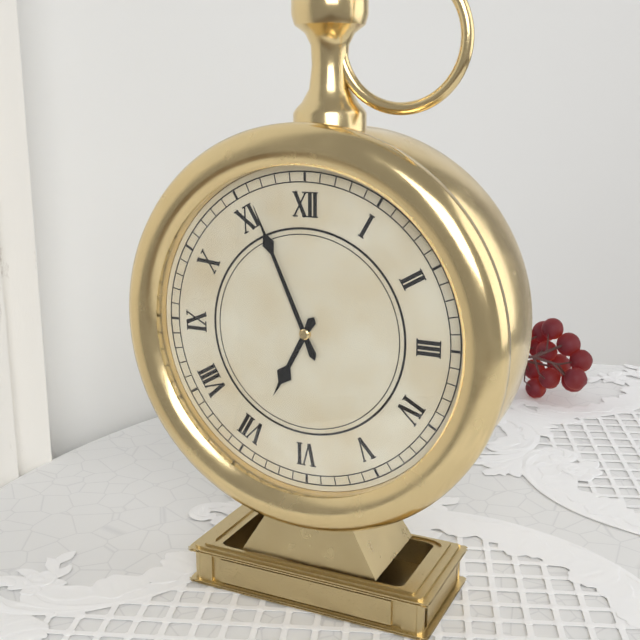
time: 6:56
